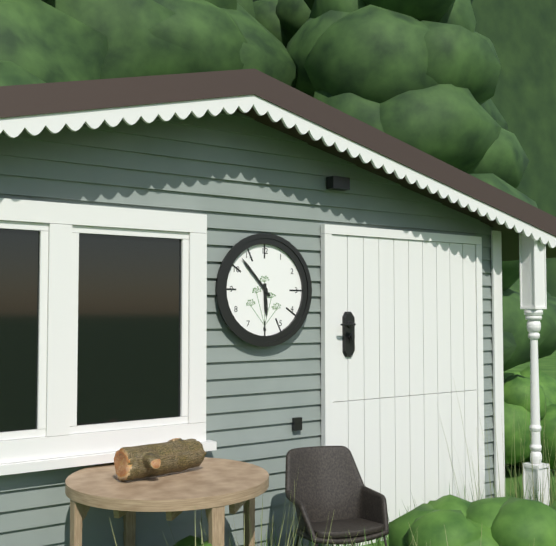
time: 5:53
